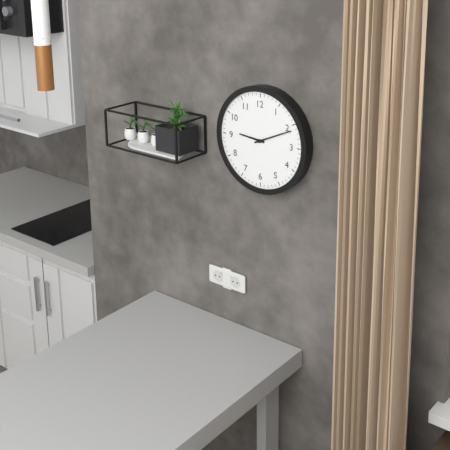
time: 9:11
